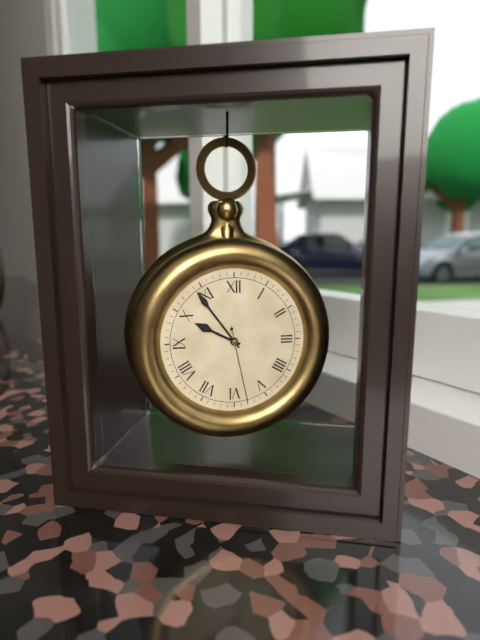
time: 9:54:28
